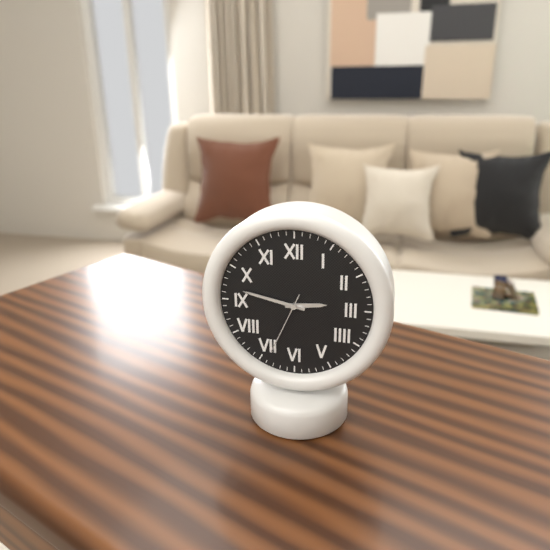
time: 2:47:34
